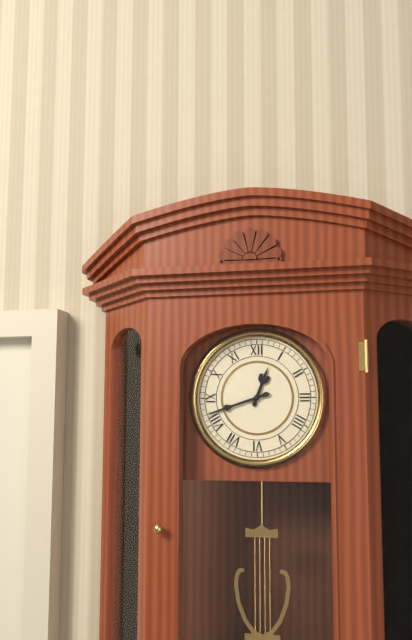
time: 12:42
